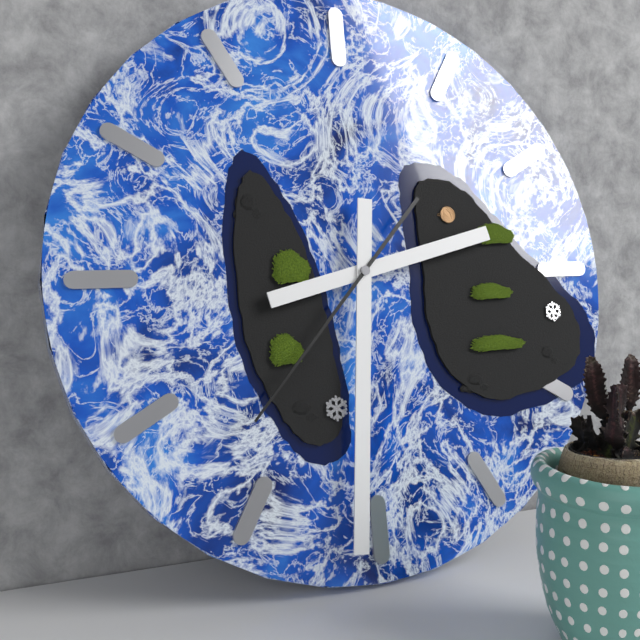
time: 2:31:37
